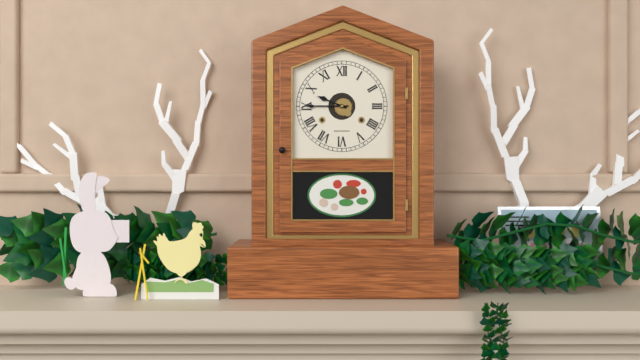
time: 9:45
